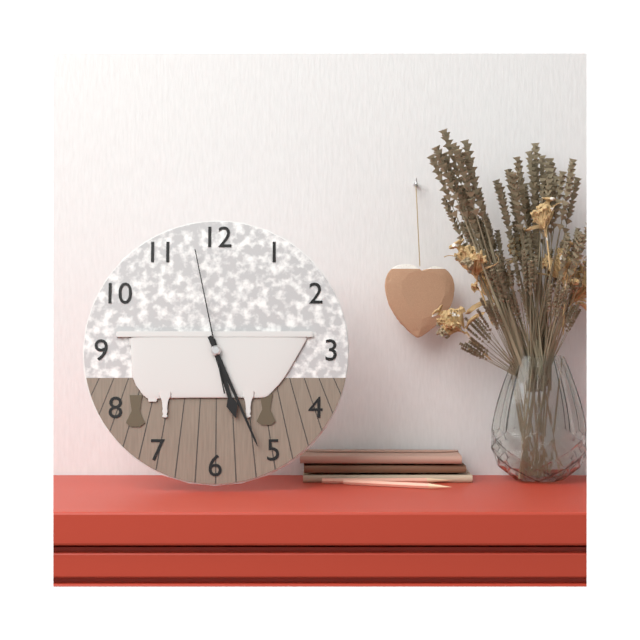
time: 5:26:58
